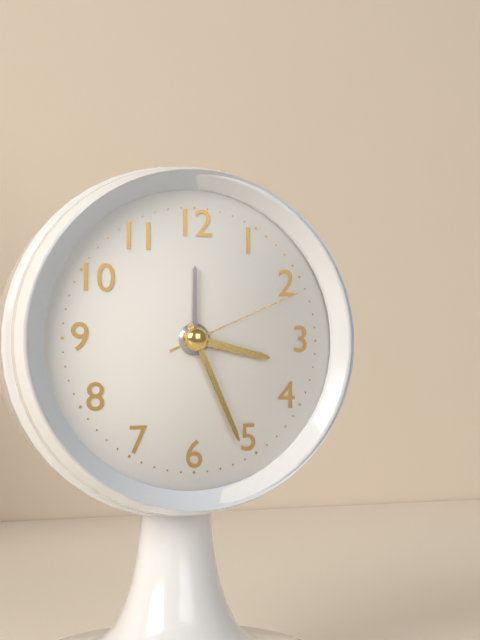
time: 3:26:11
